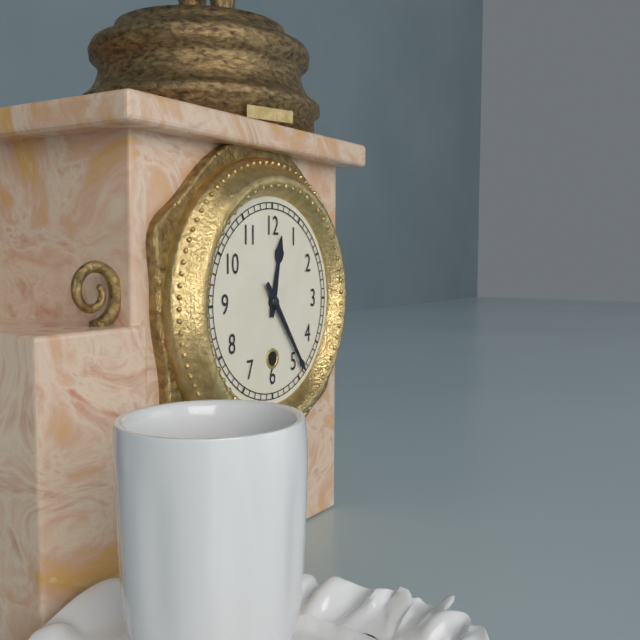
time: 12:24
